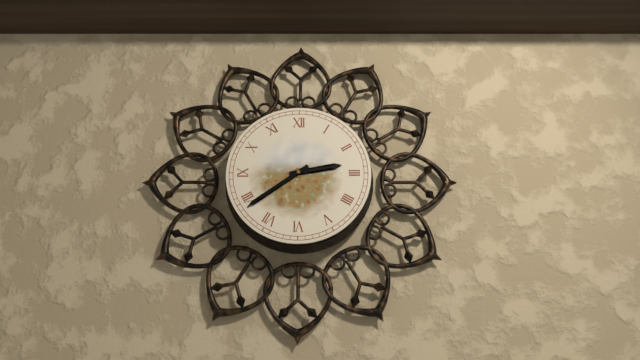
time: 2:39
